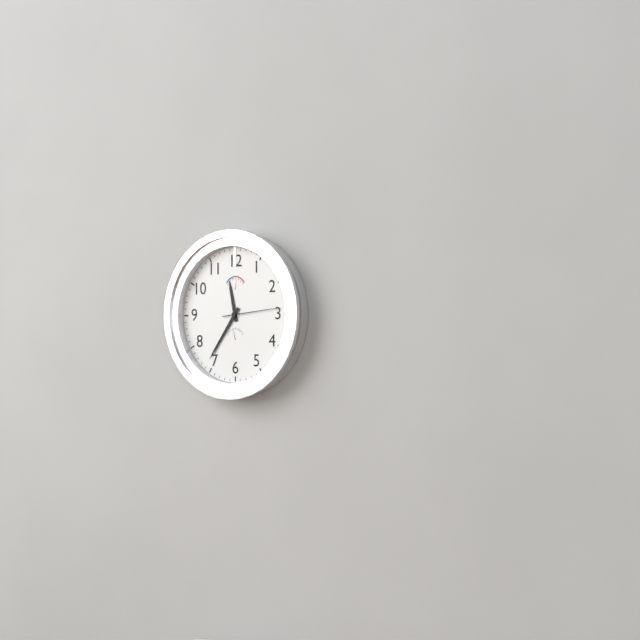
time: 11:36:14
